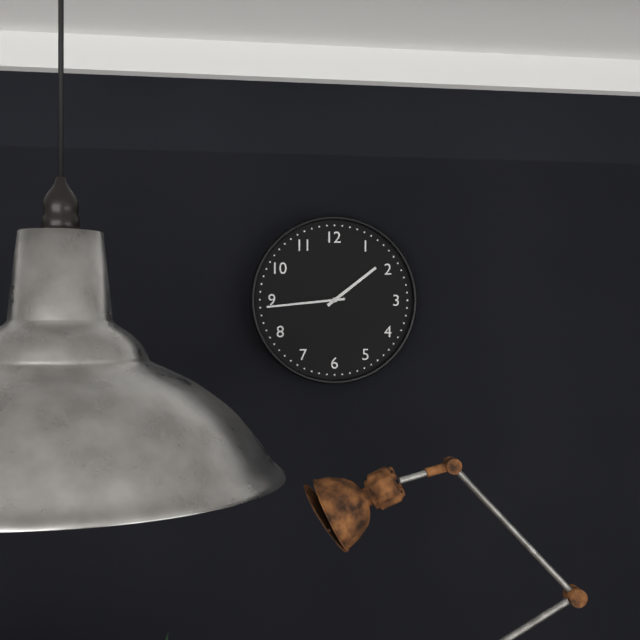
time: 1:44
